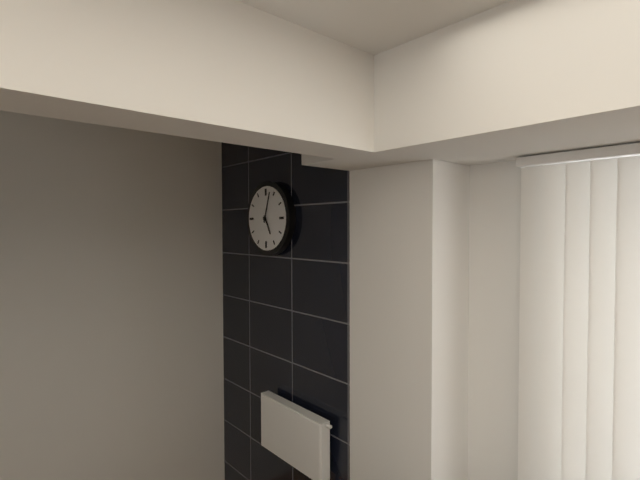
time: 5:03
